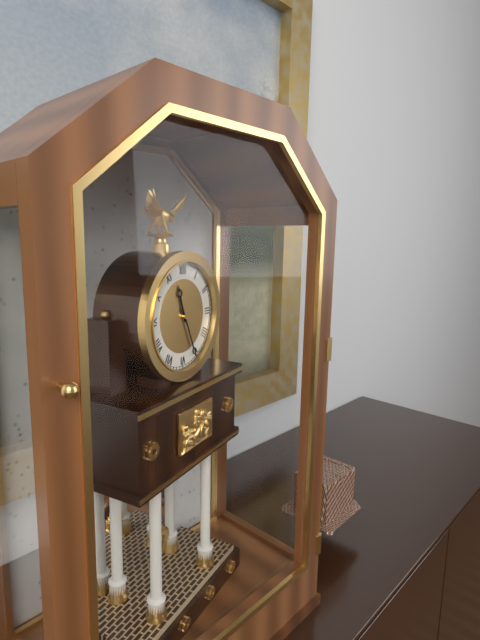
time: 11:26
